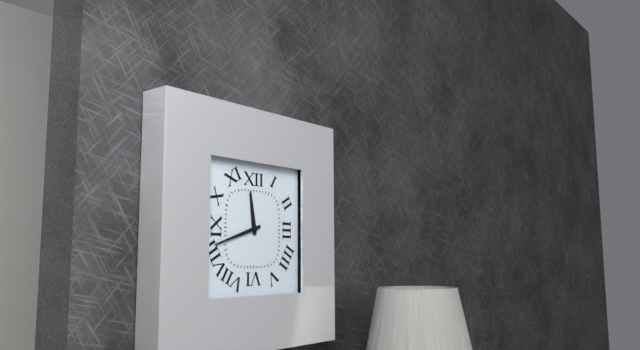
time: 11:42
